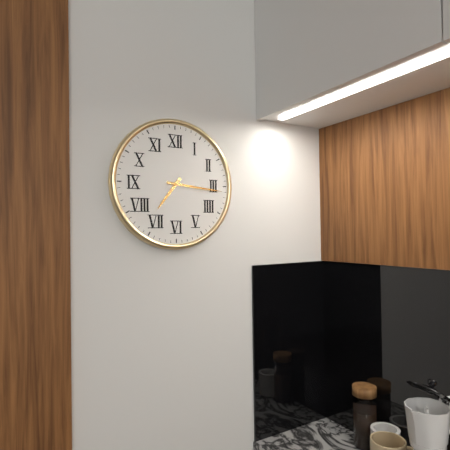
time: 7:16
